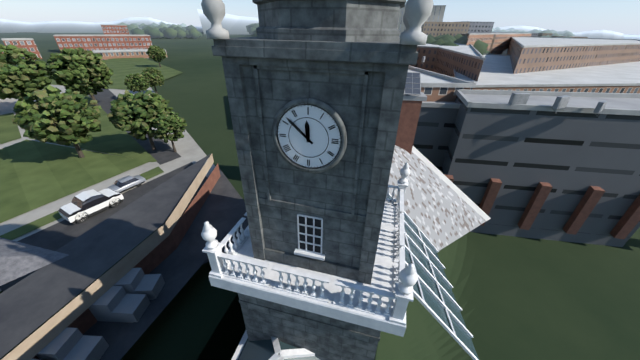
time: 11:52
